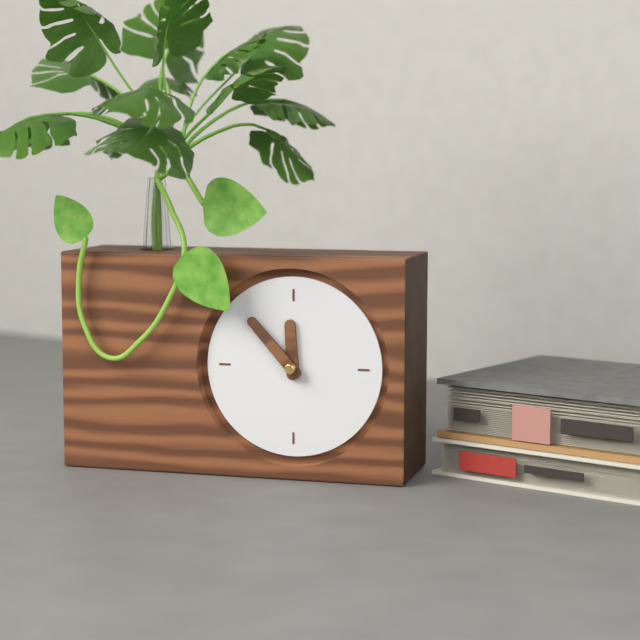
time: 11:53
